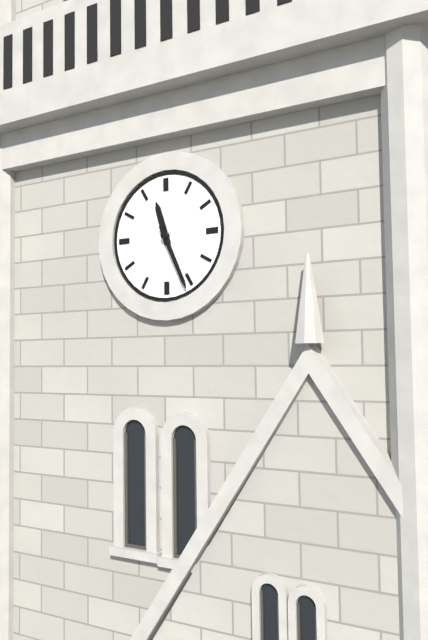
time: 11:26
